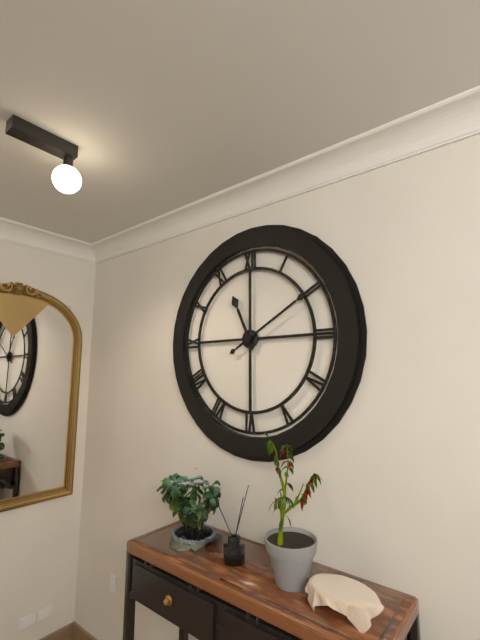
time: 11:10
